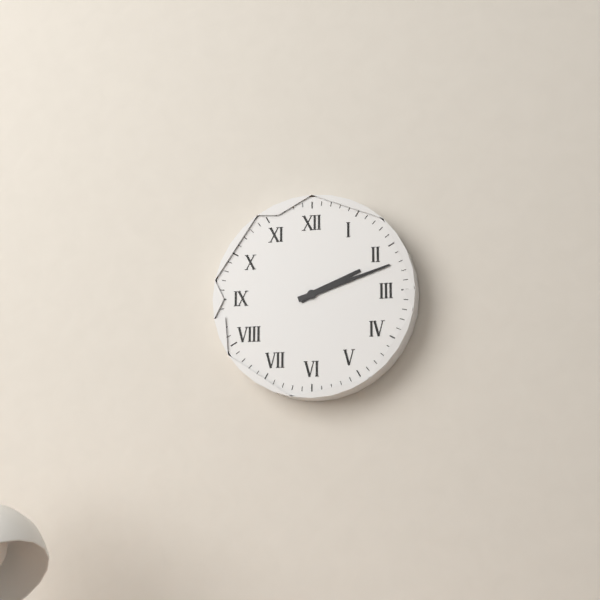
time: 2:12
